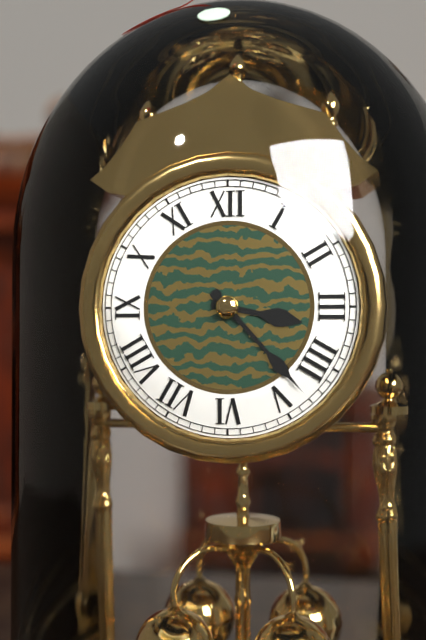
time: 3:23
